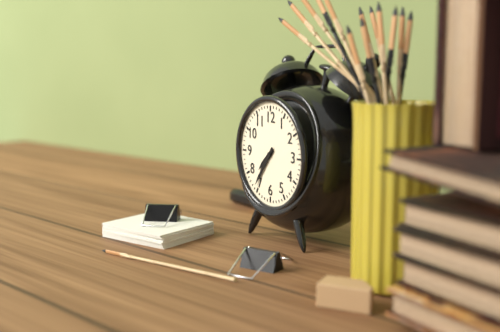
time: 7:36
